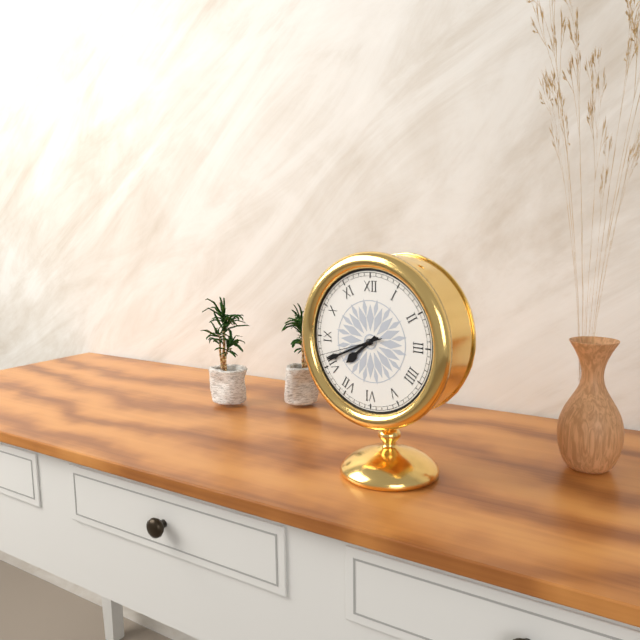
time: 7:41:42
